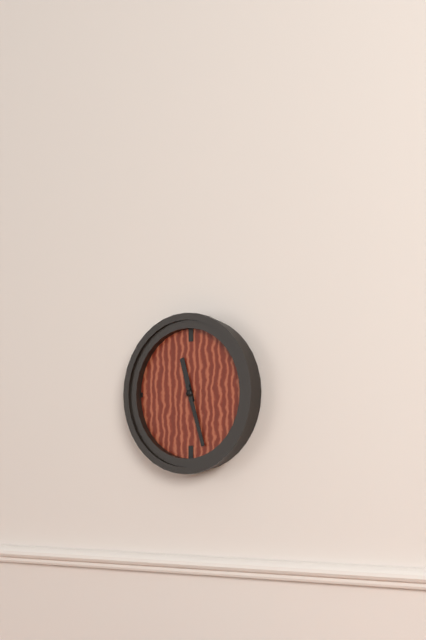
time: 11:27
